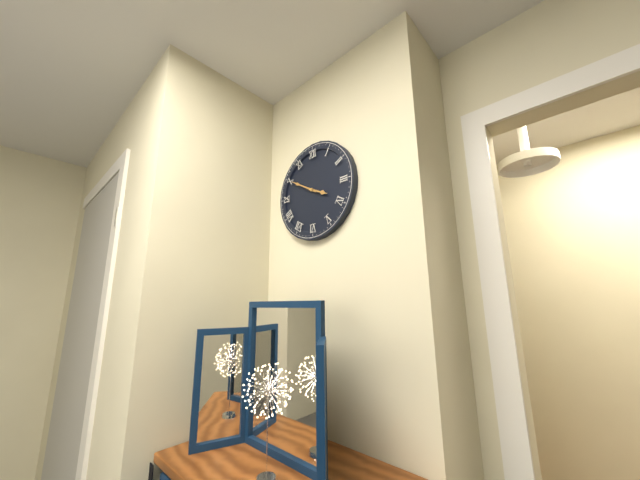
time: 3:50
